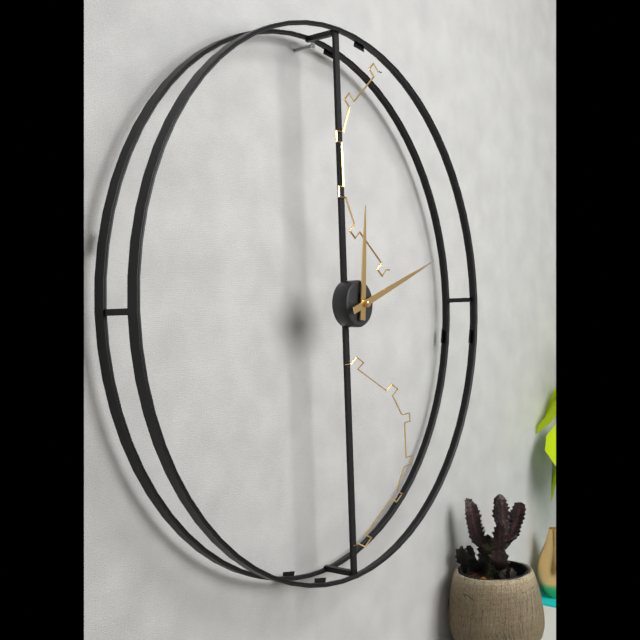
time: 12:12
